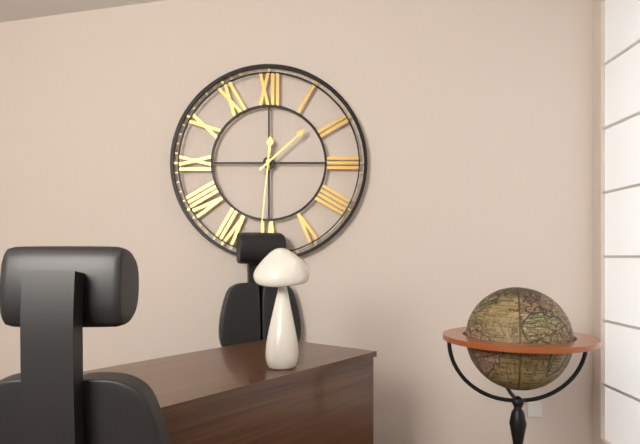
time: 12:08:31
